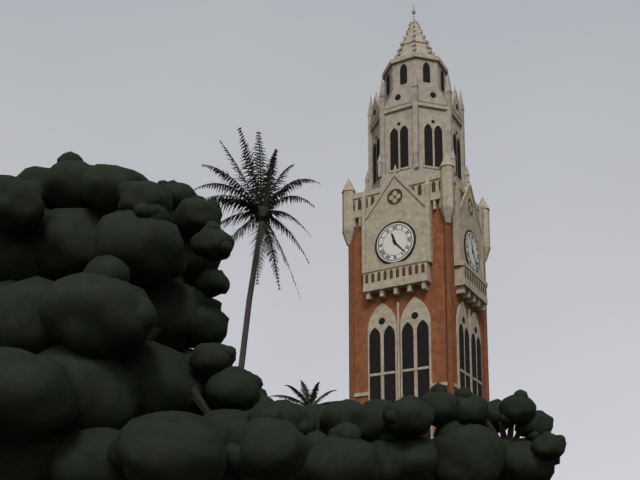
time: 11:23
